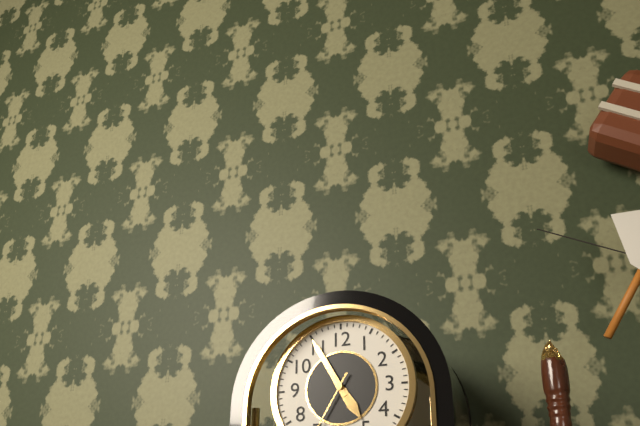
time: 4:55
